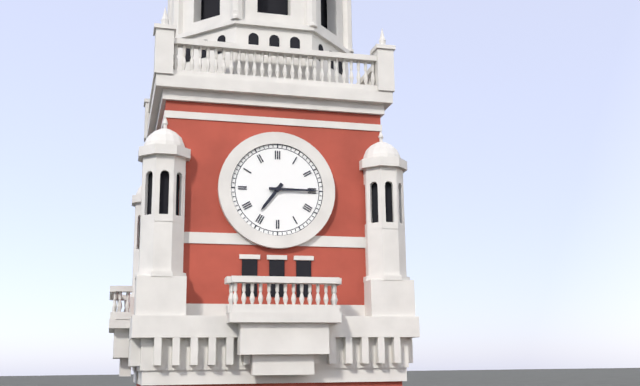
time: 7:15
